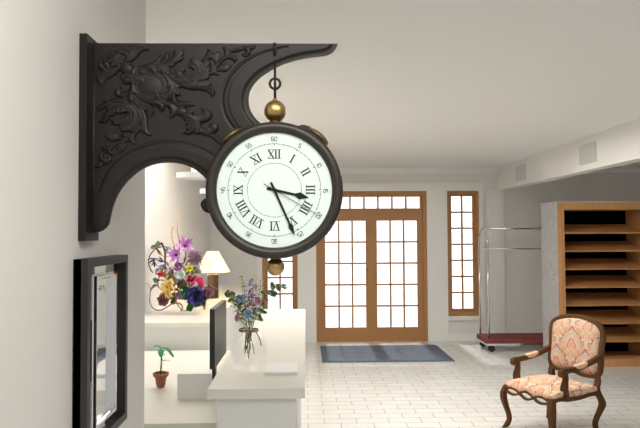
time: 3:26:20
